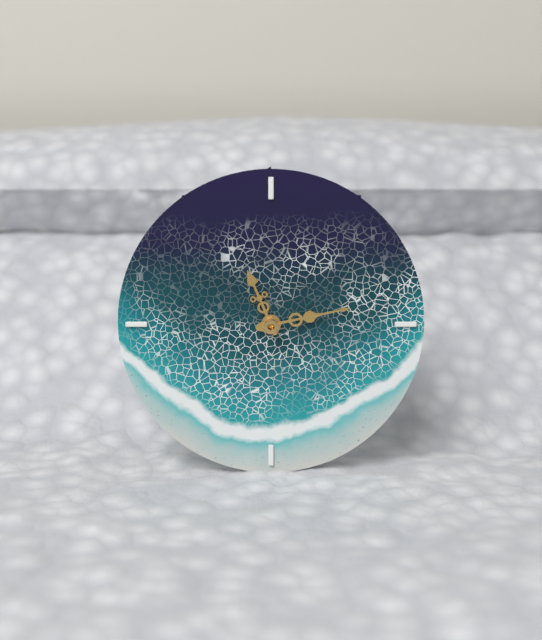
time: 11:13
